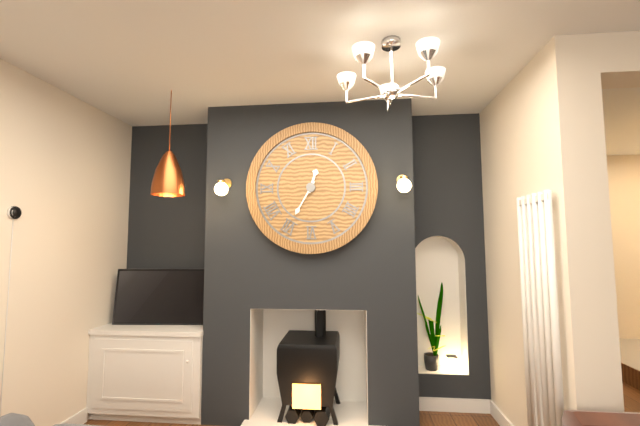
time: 12:35
